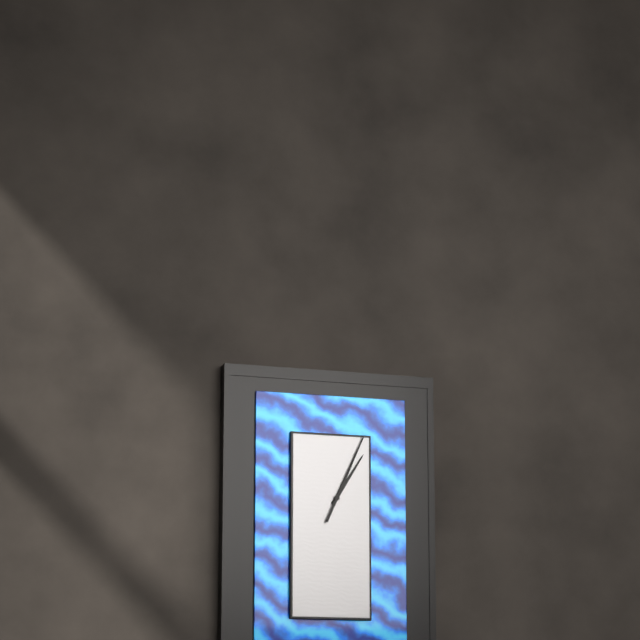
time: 1:04:04
